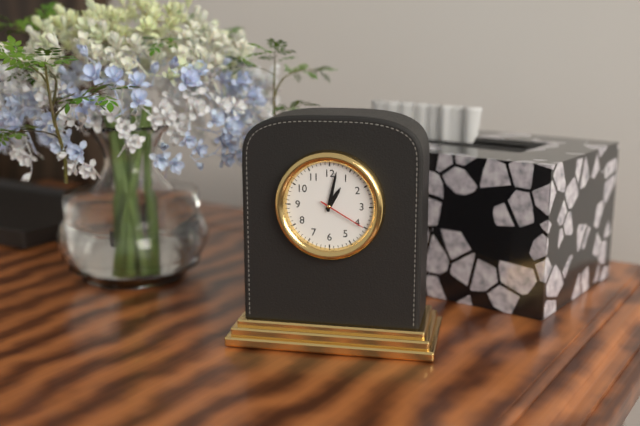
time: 1:02:20
